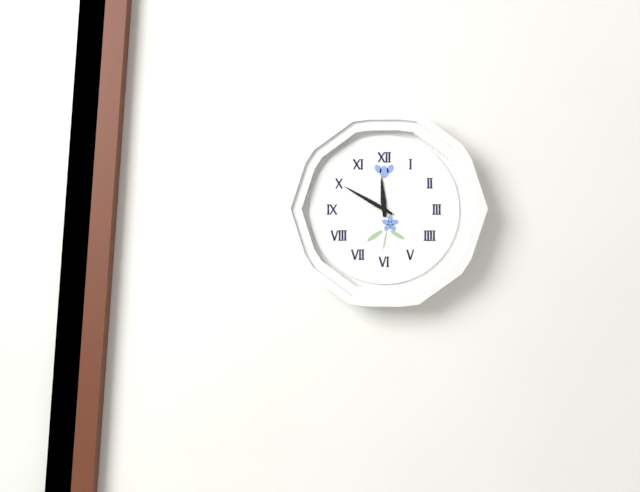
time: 11:50
